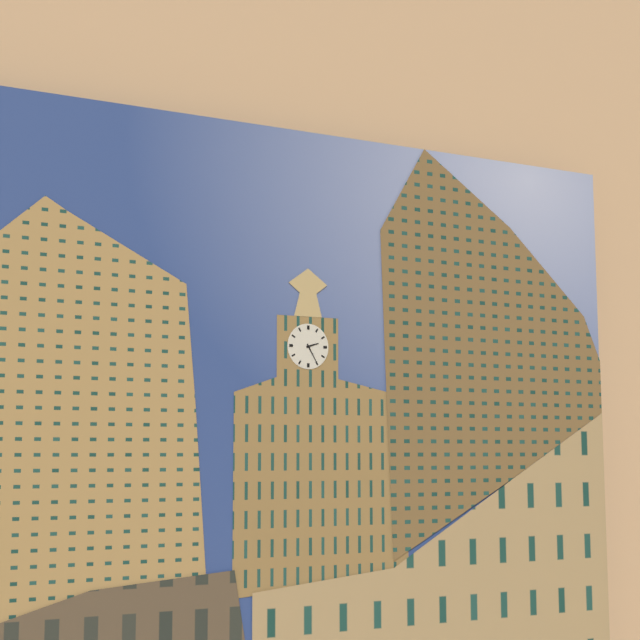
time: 2:25
